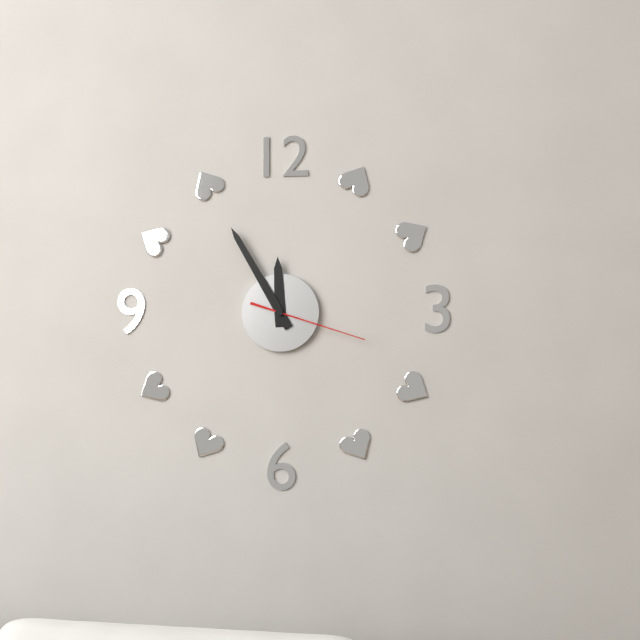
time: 11:55:18
